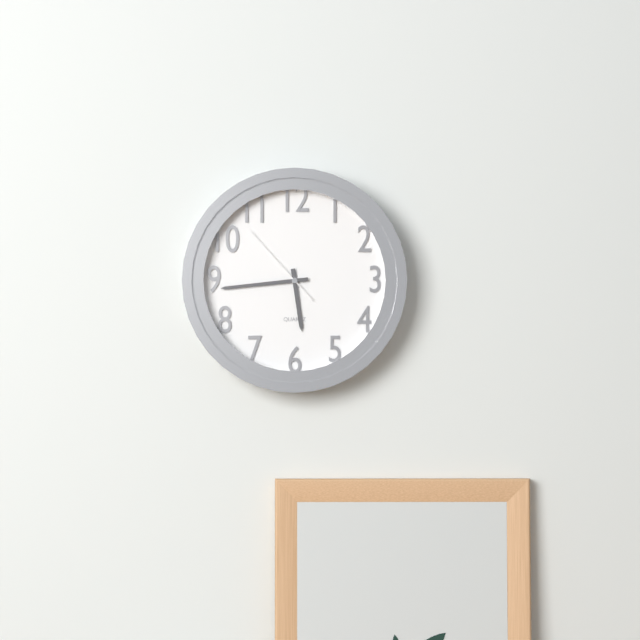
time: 5:44:53
